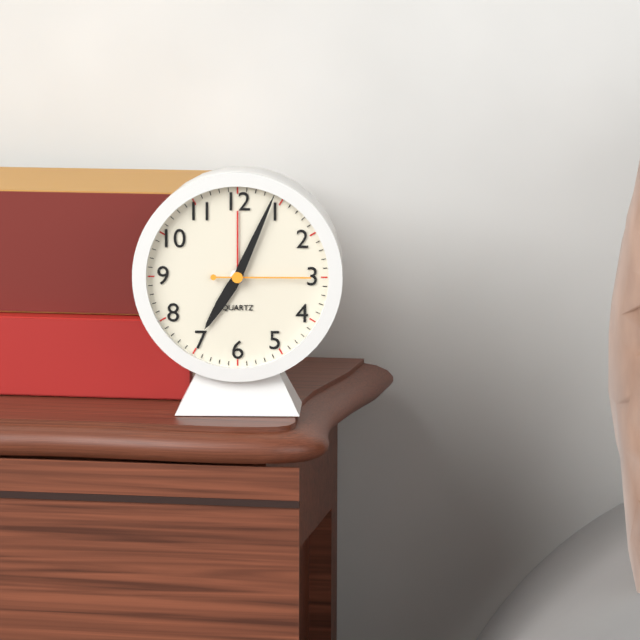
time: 7:04:15
